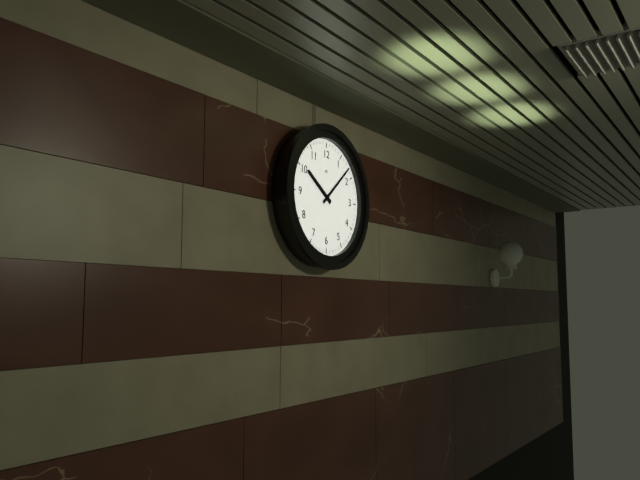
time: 10:08
